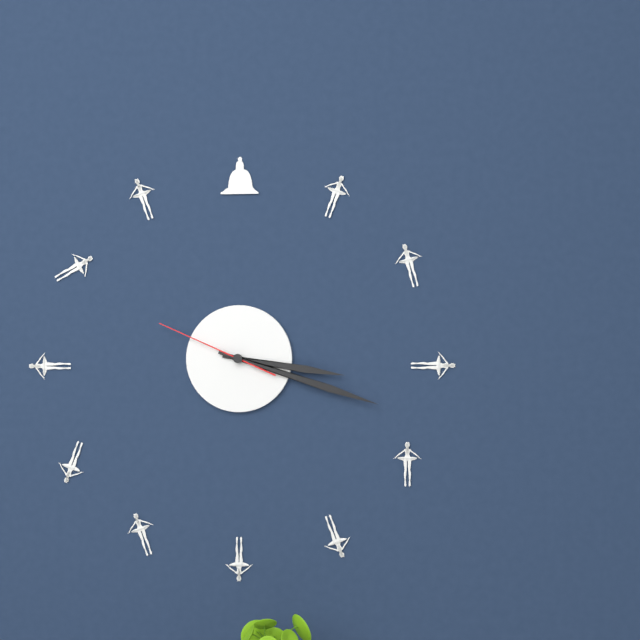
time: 3:18:49
